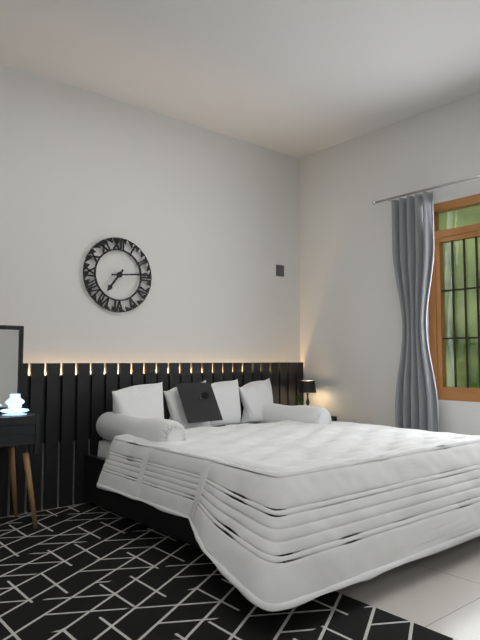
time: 7:14
